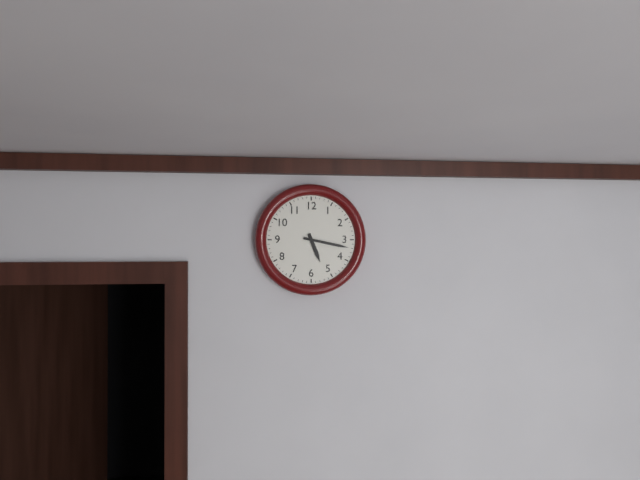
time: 5:17
